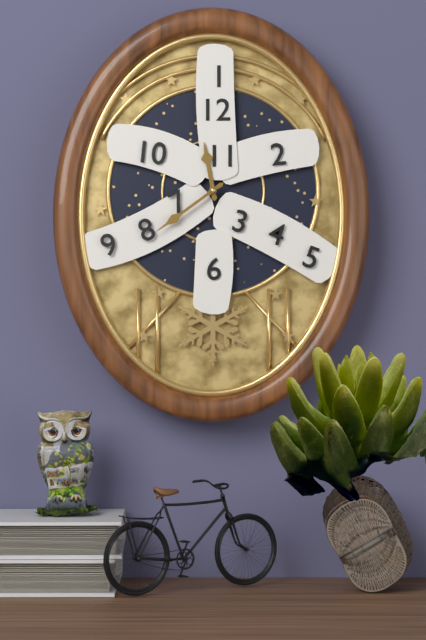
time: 11:39
